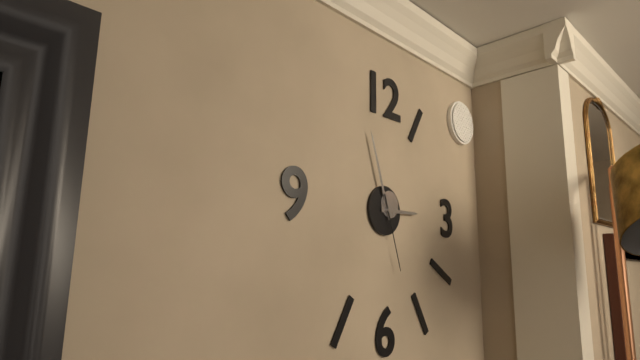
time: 2:57:27
